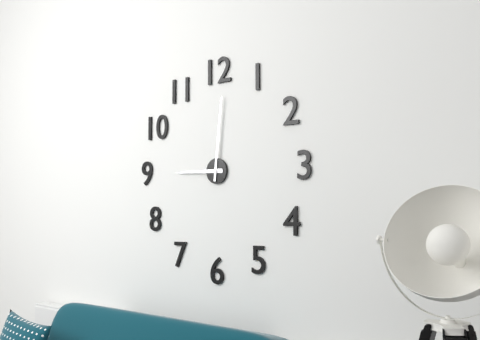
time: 9:01
